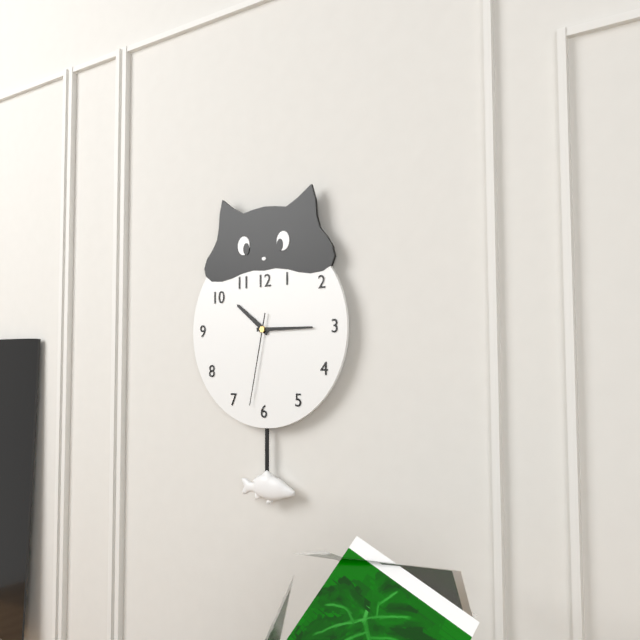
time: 10:15:32
